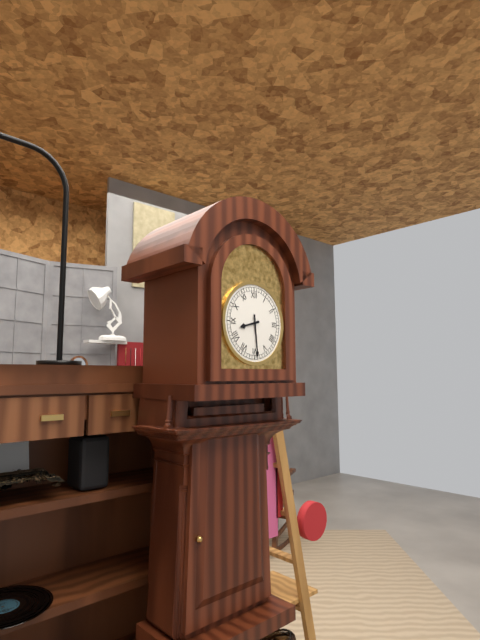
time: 8:29
